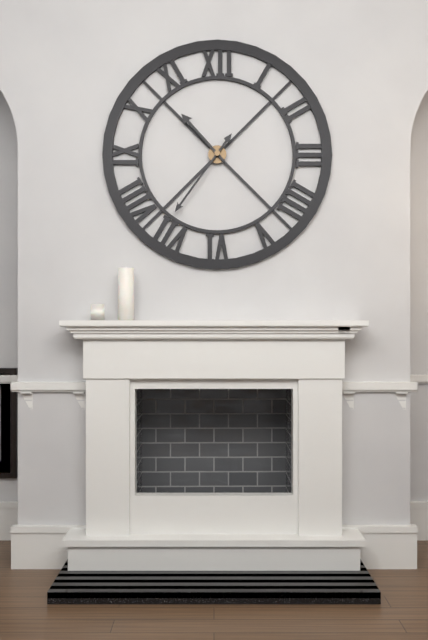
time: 10:36
